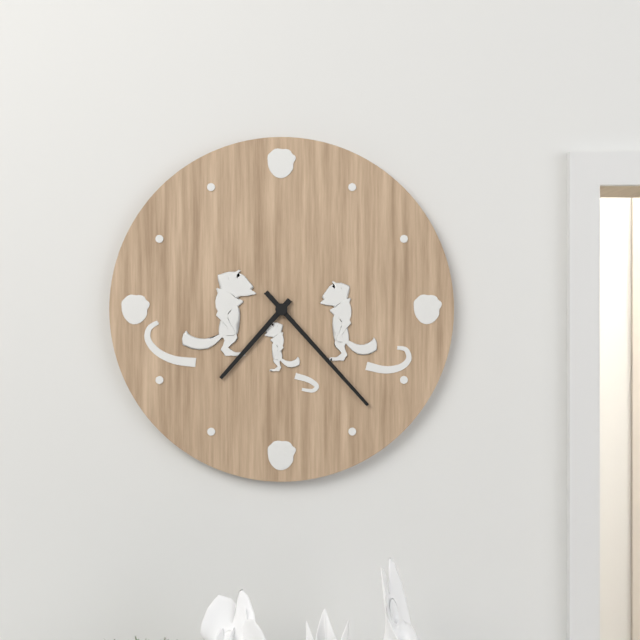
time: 7:23
